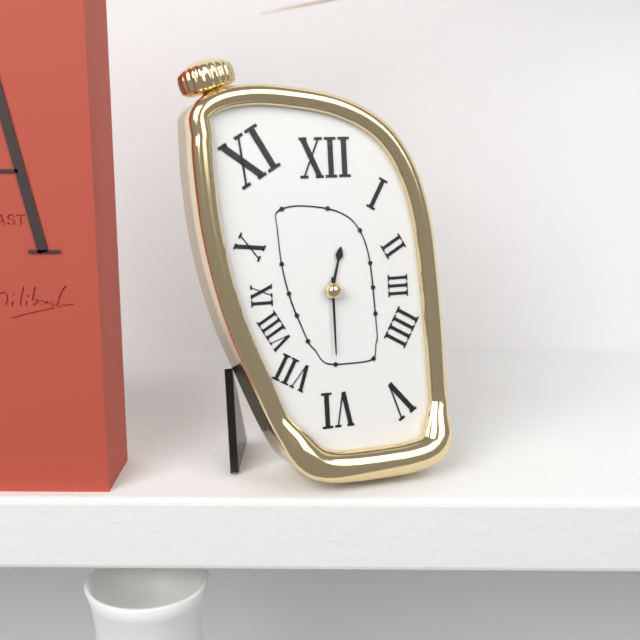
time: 12:30
